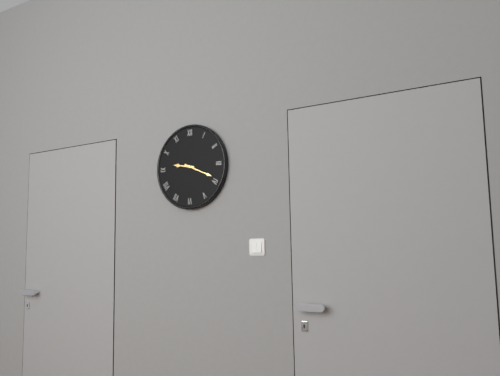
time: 9:19
